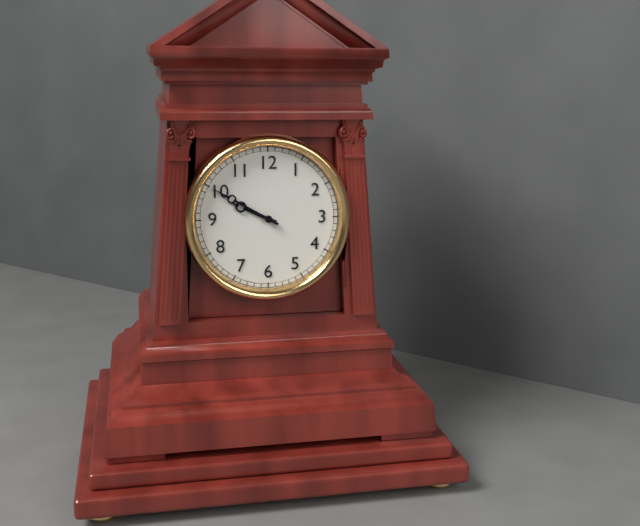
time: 9:50
